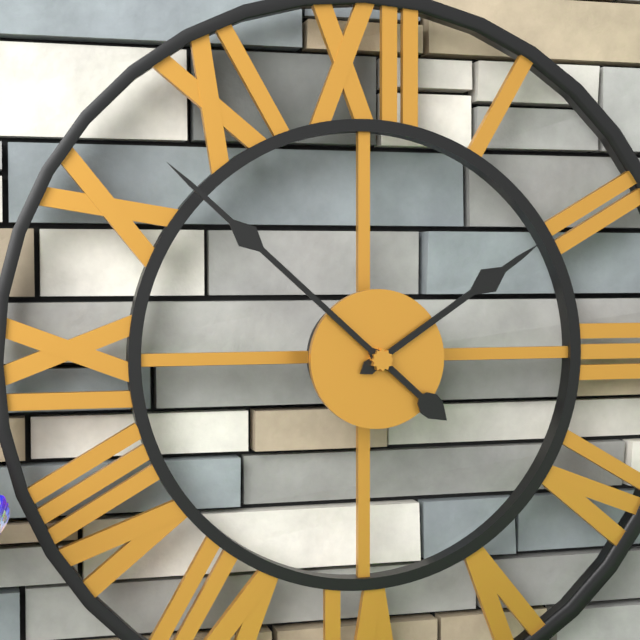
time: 1:52
